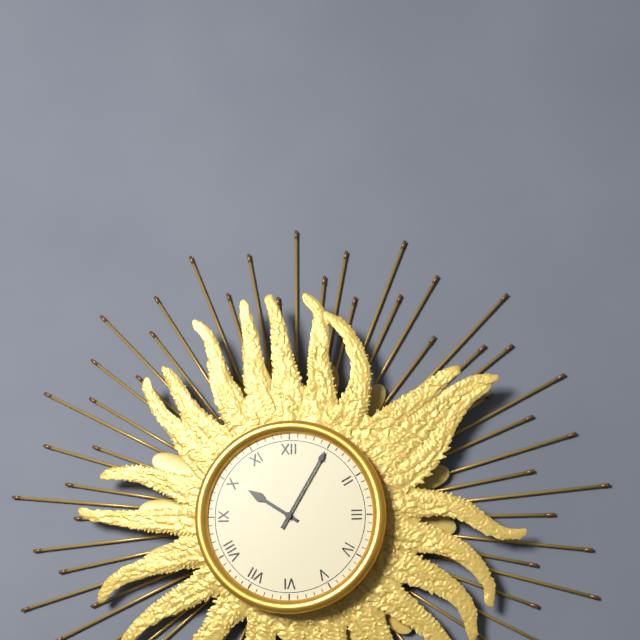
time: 10:05
